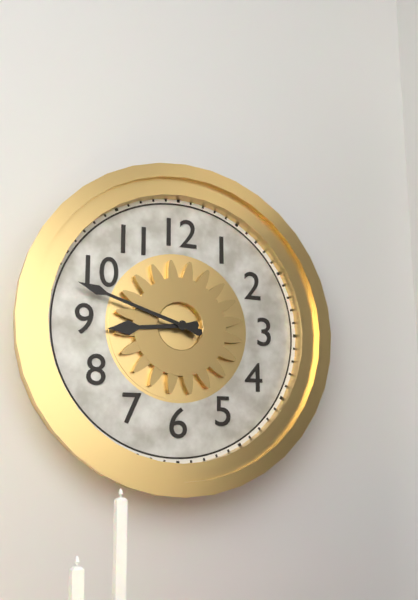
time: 8:48
